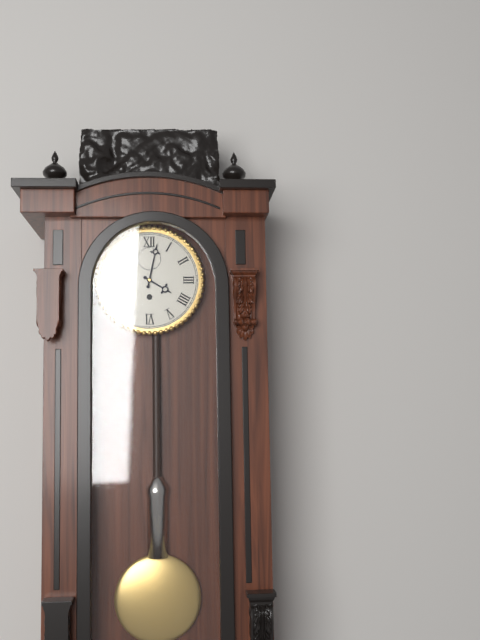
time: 4:02
